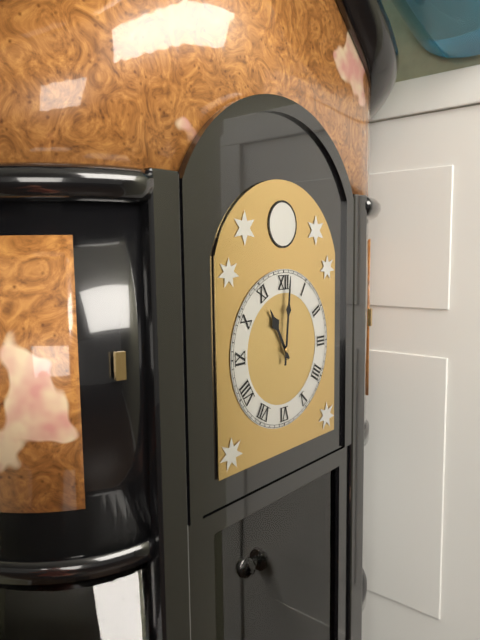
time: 11:01
